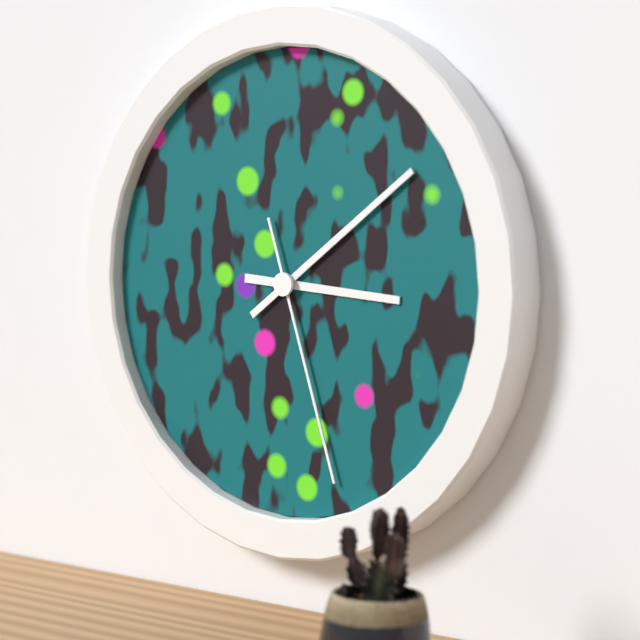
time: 3:09:27
